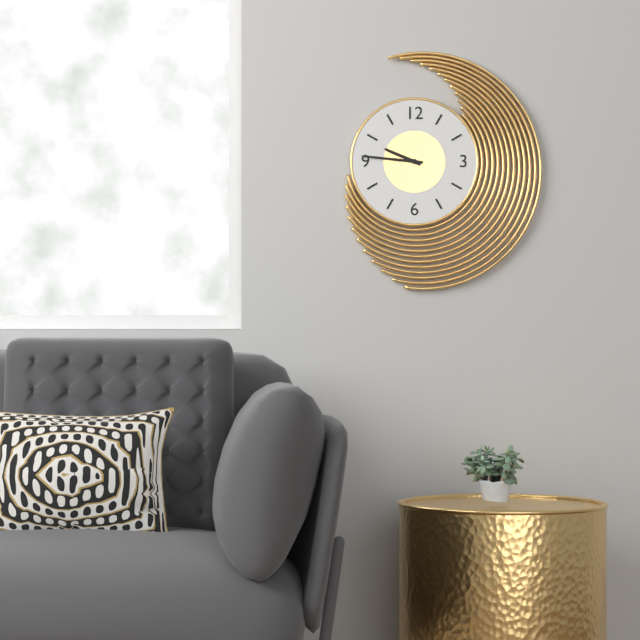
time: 9:46
